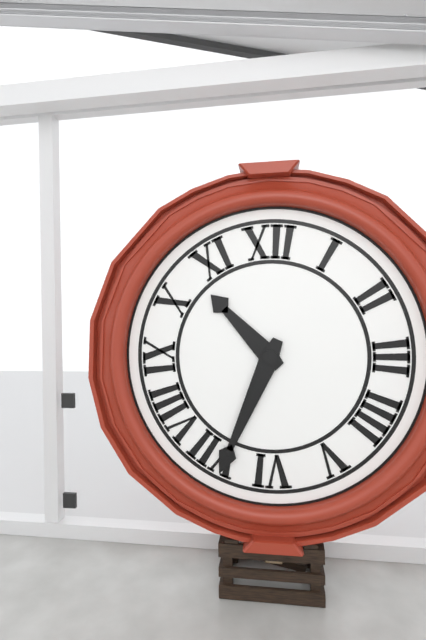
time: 10:34
